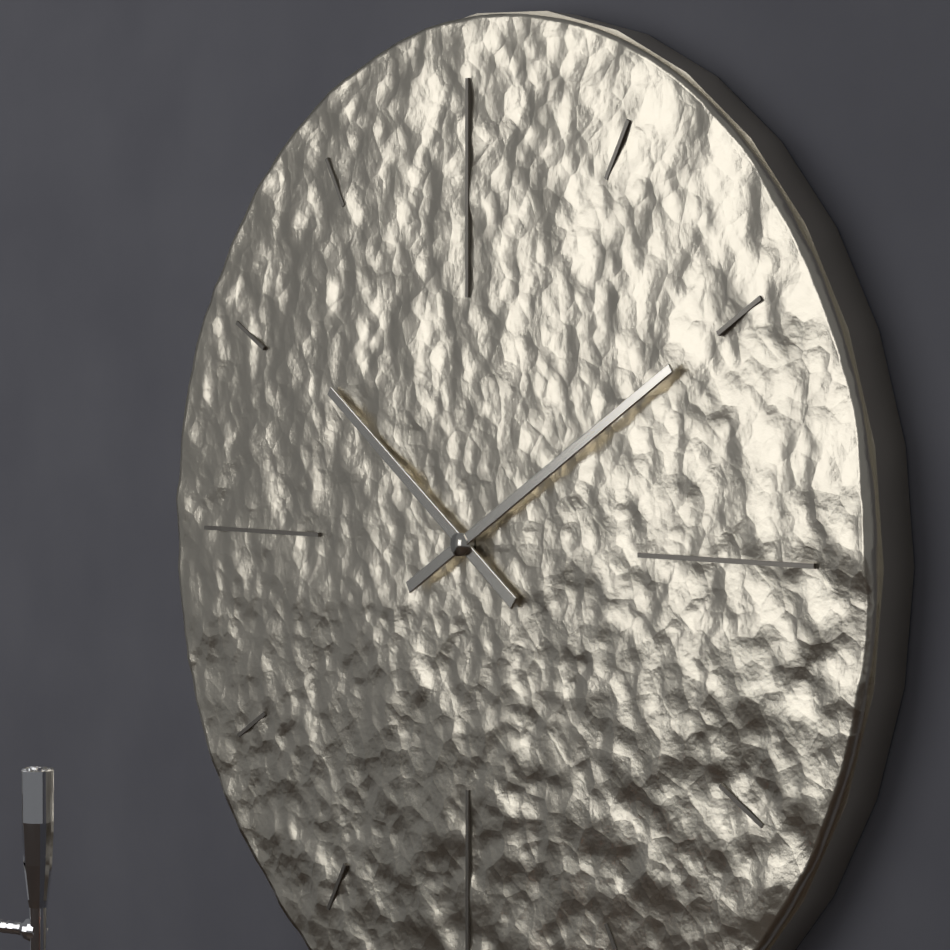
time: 10:10
